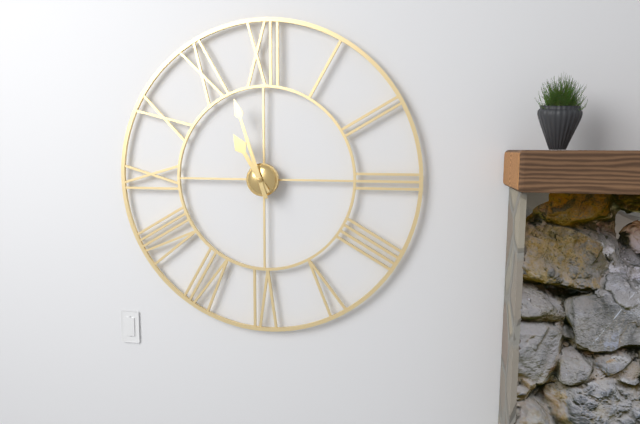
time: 10:57
